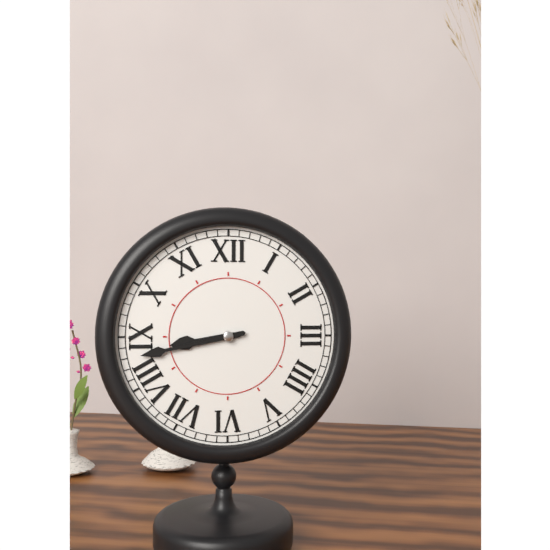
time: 8:43
